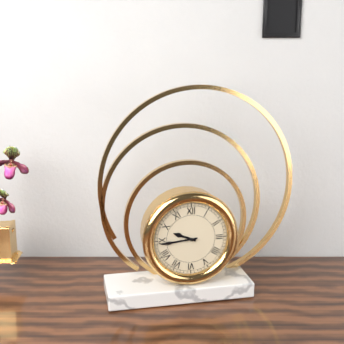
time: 9:44
